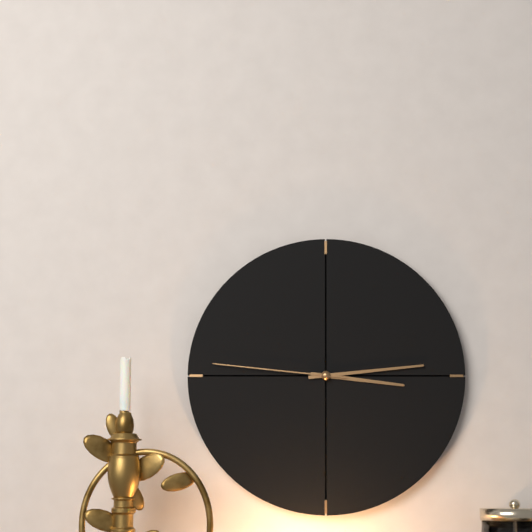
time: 3:14:46
